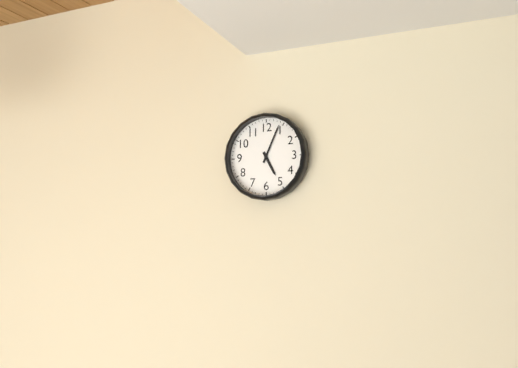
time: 5:04
